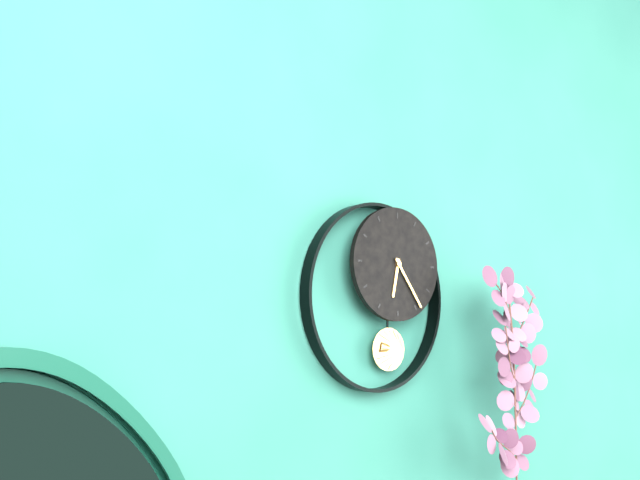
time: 6:24
